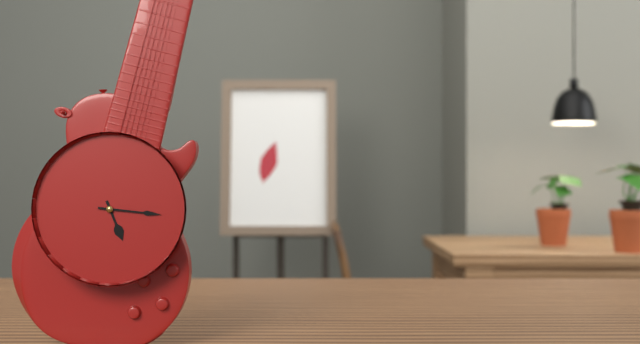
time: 5:16
